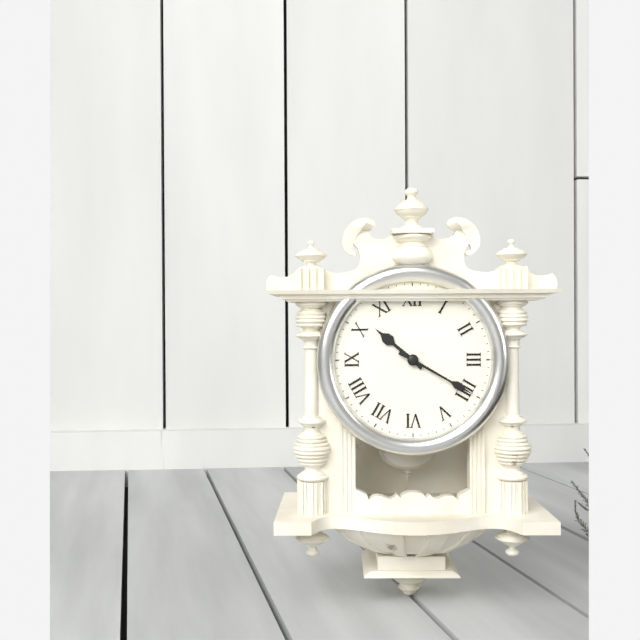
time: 10:20
